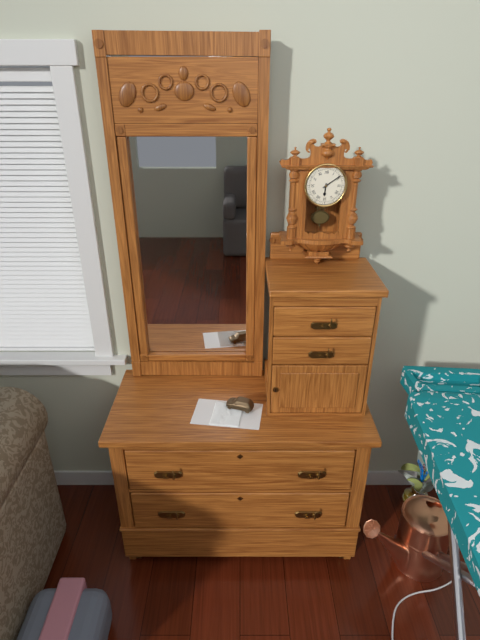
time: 6:09
